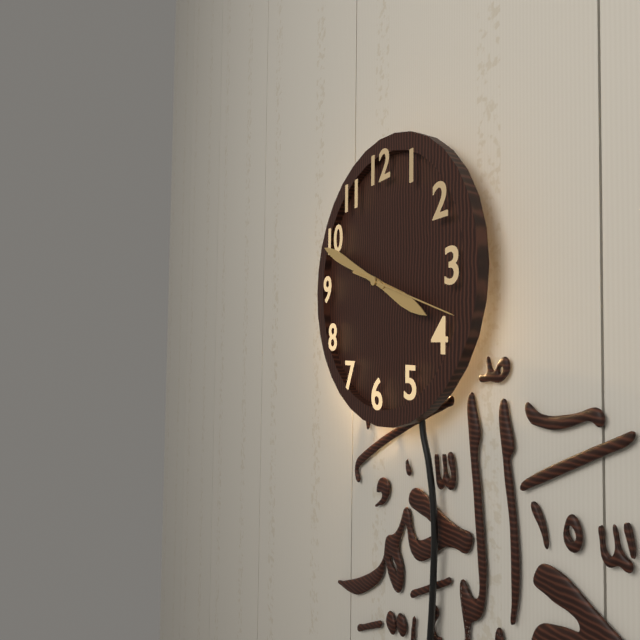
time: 3:49:18
